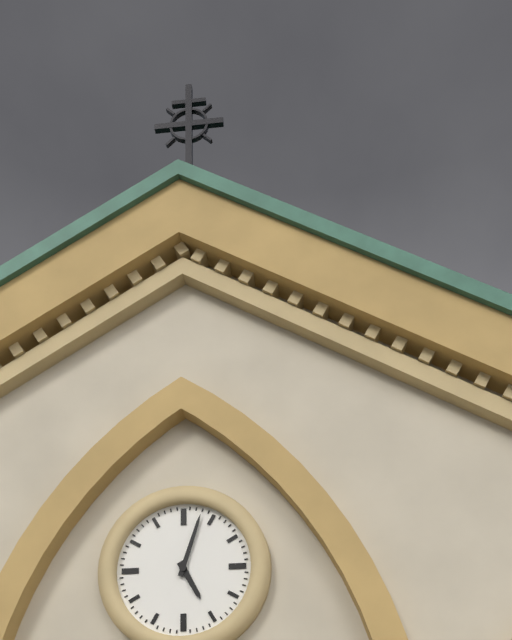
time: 5:03
